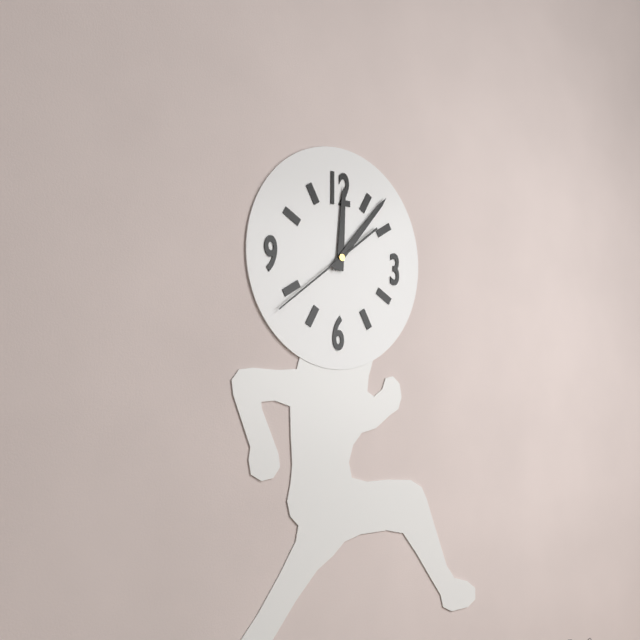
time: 12:07:39
